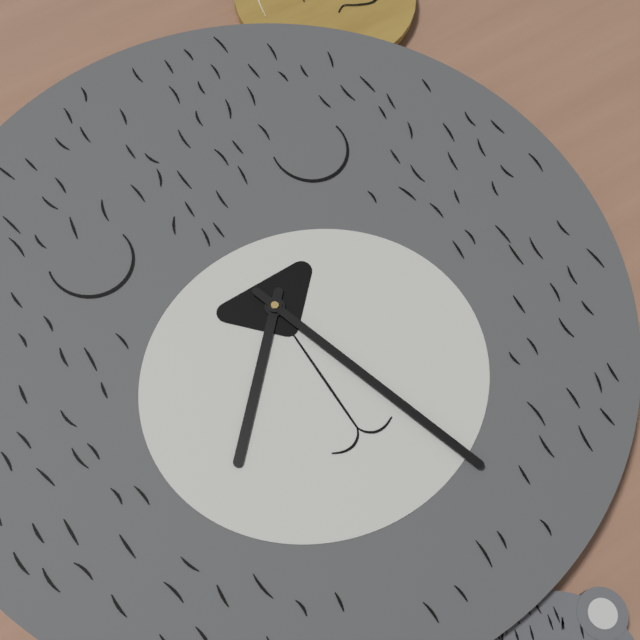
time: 7:27
